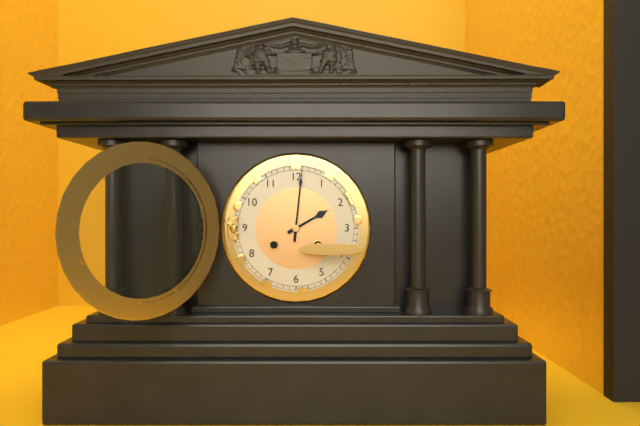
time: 2:01
